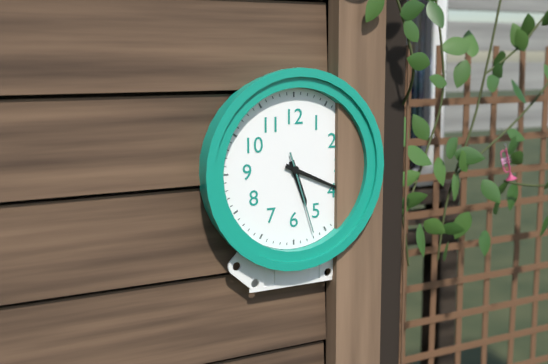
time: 5:19:27
